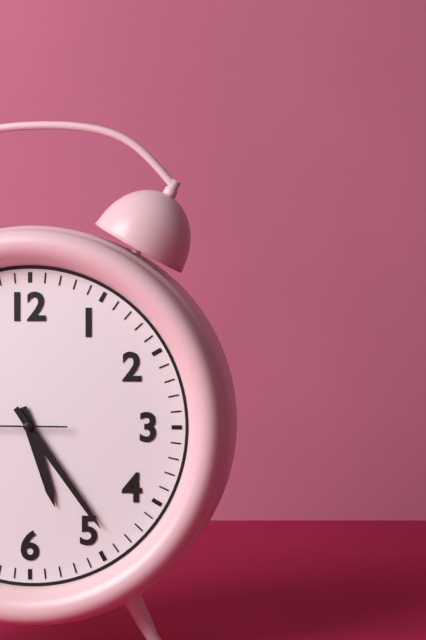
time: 5:24
